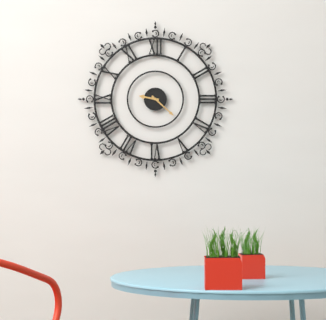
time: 9:22
